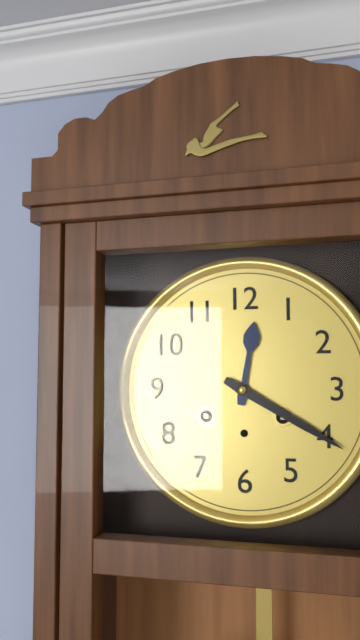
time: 12:20
